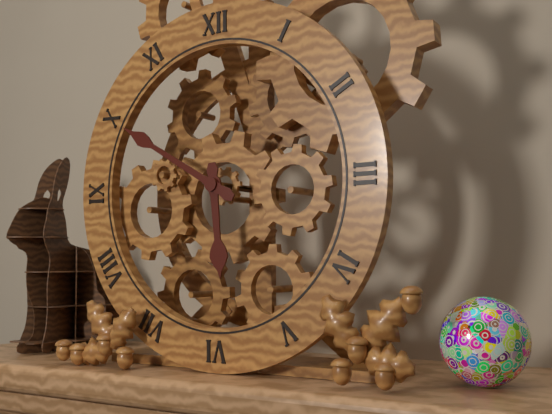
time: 5:50
